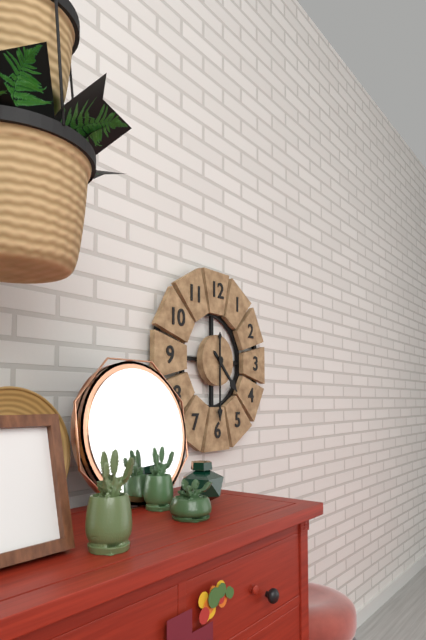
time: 4:30
